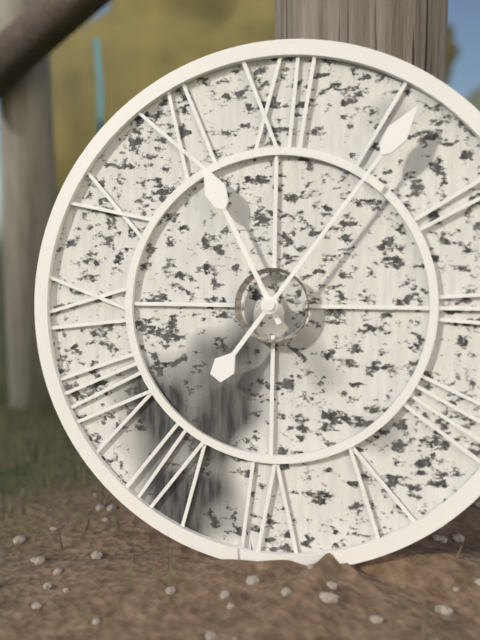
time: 11:06
